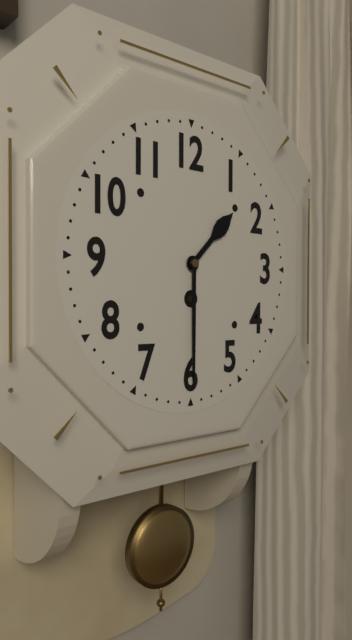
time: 1:30
